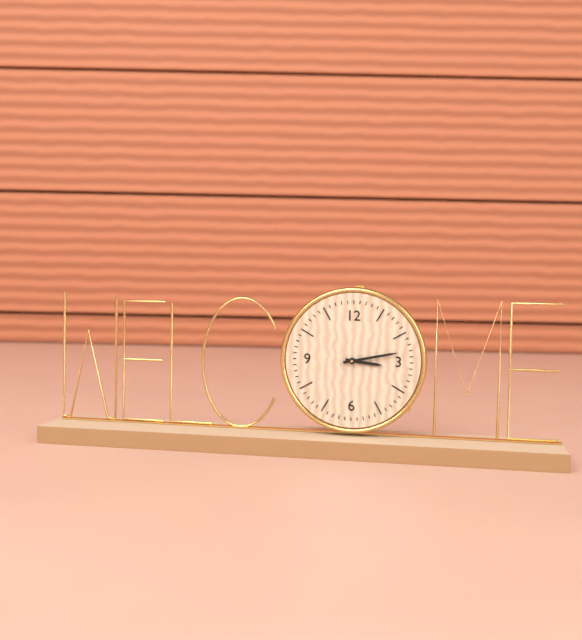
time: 3:13
